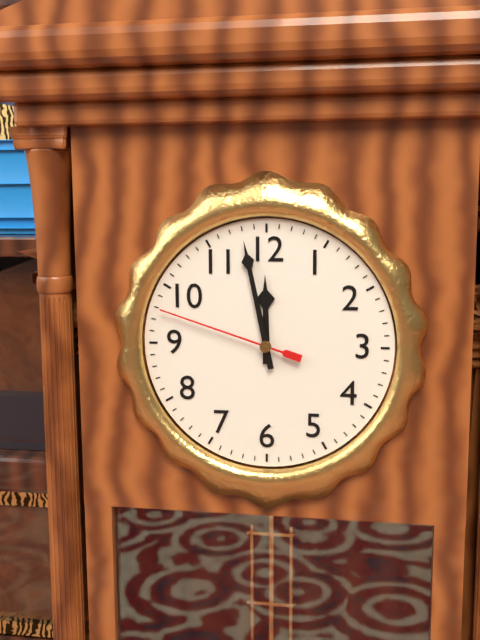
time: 11:58:48
